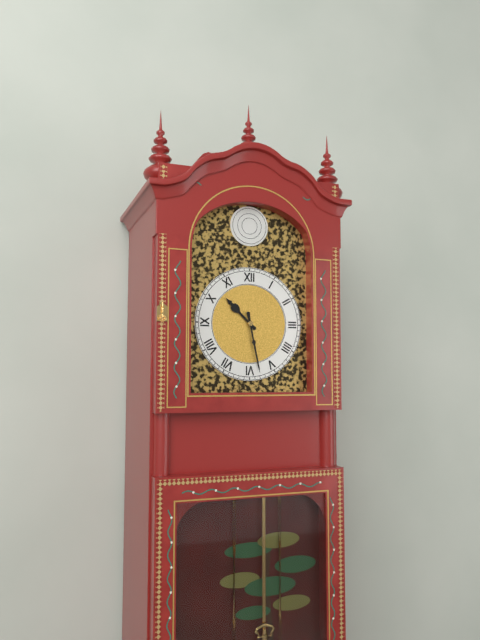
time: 10:28
